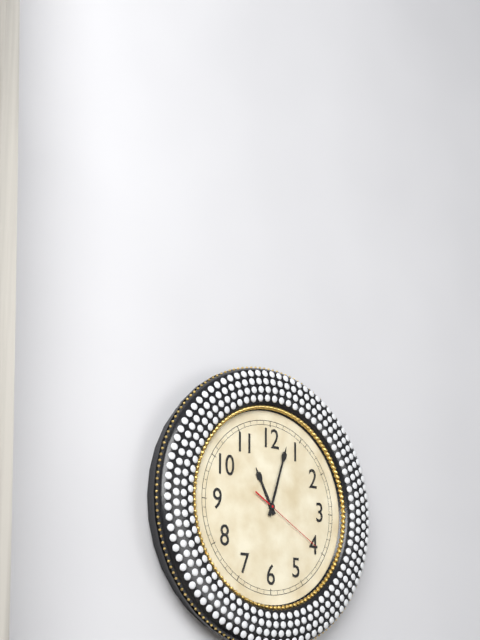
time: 11:03:20
